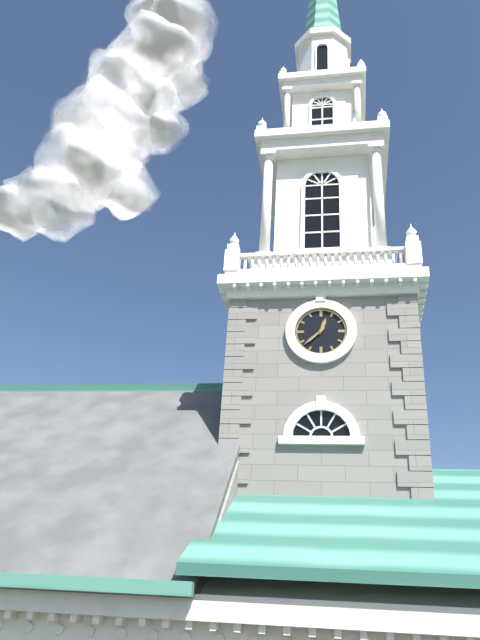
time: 12:38
